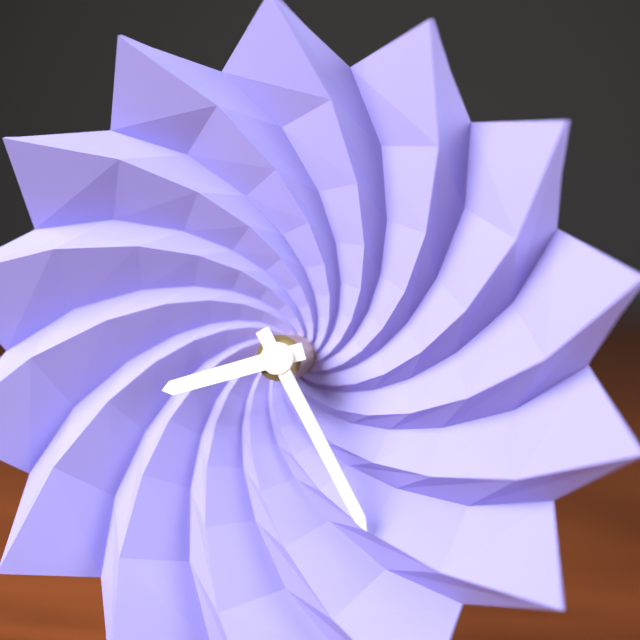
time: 8:25
